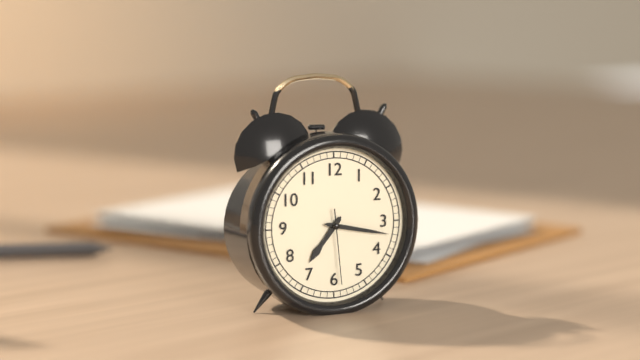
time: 7:17:29
